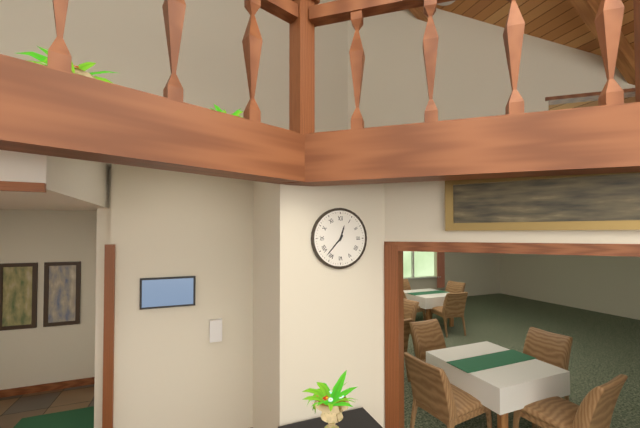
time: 12:37
